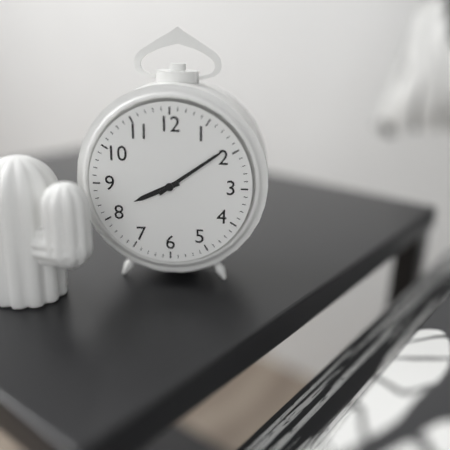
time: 8:09
